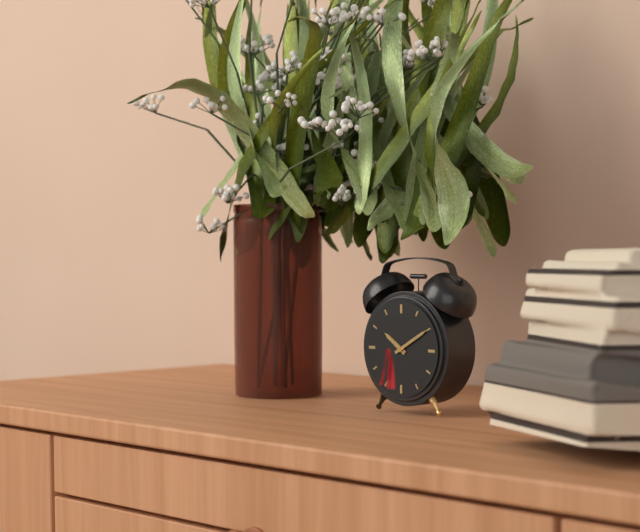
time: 10:10
